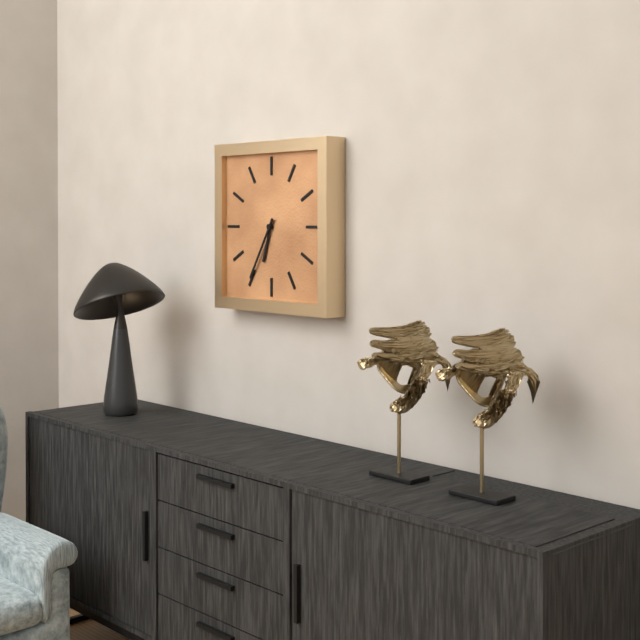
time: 6:35
